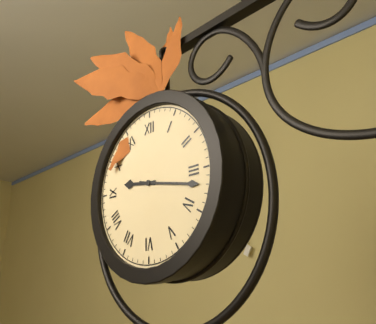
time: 9:17
